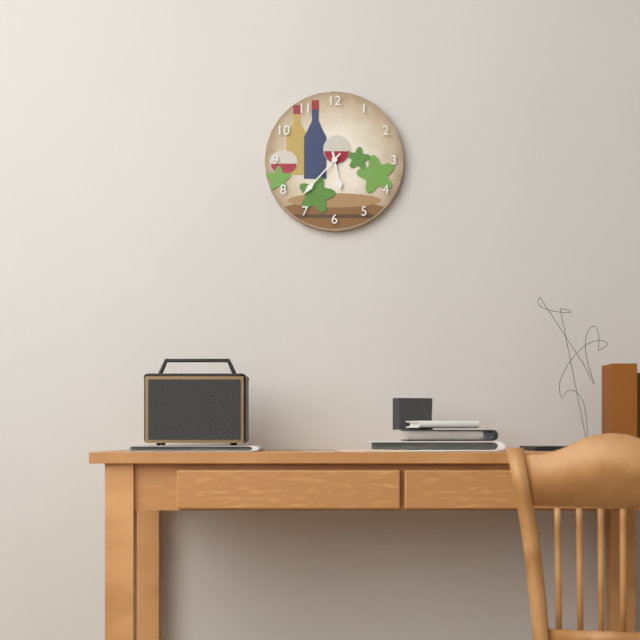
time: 5:37
